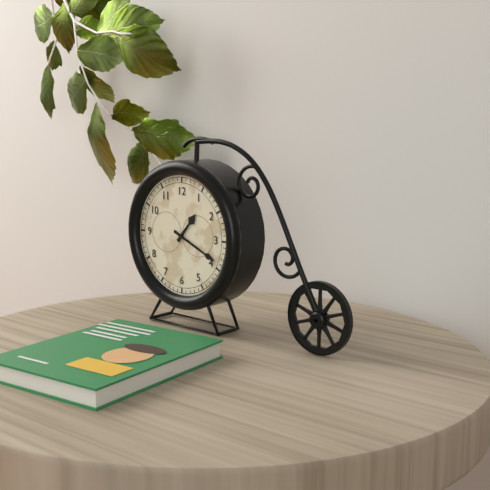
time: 1:19
